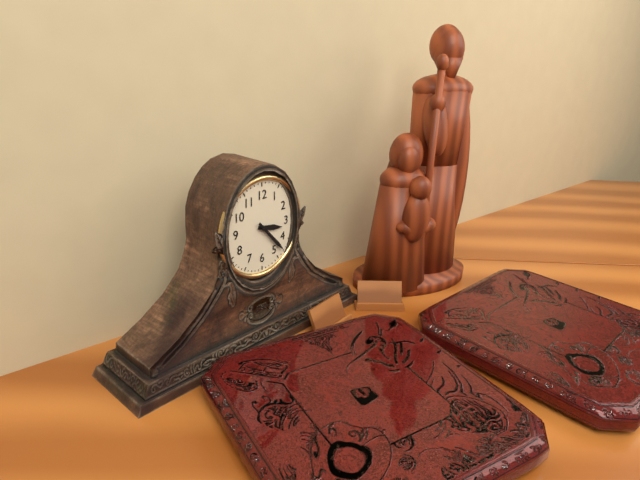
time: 3:23
